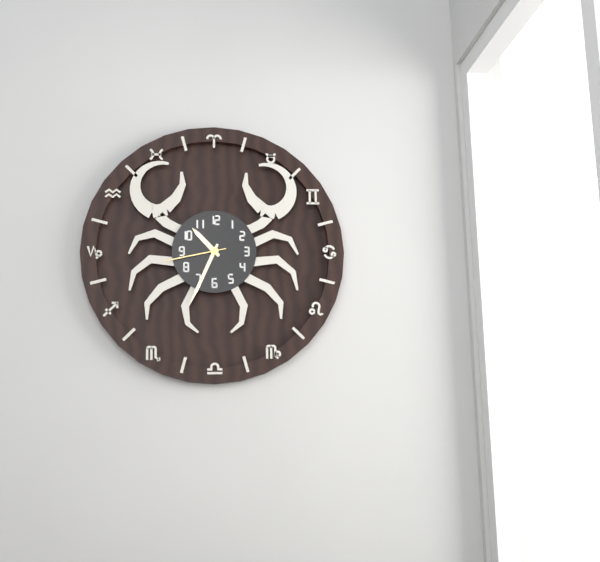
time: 10:34:43
